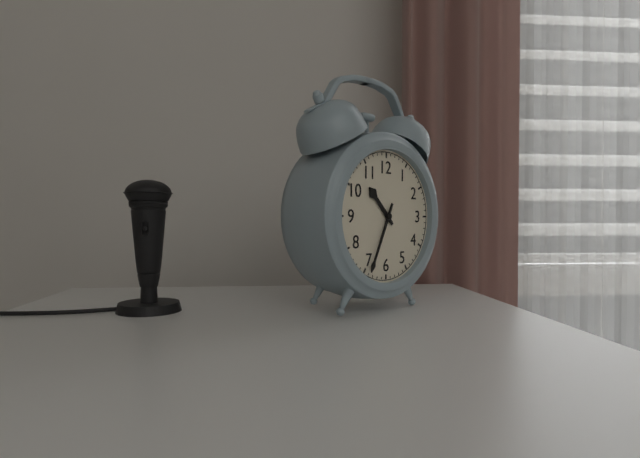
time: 10:34
